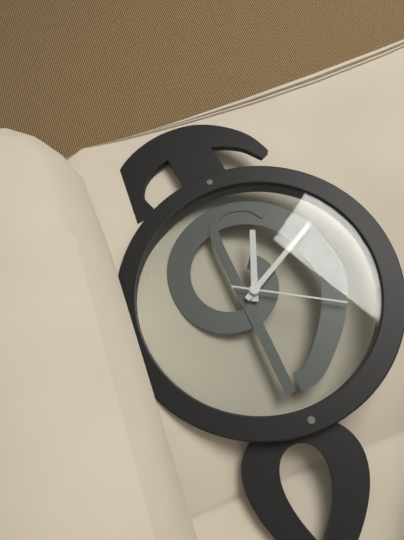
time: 6:40:50
